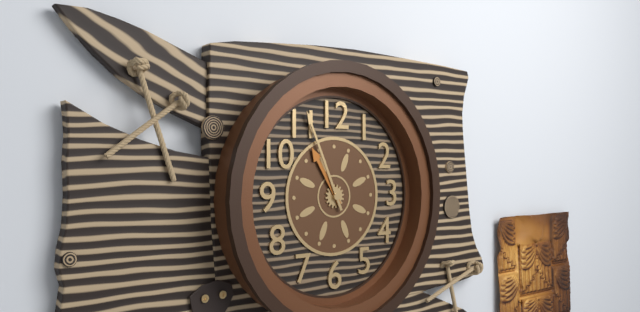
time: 10:56
